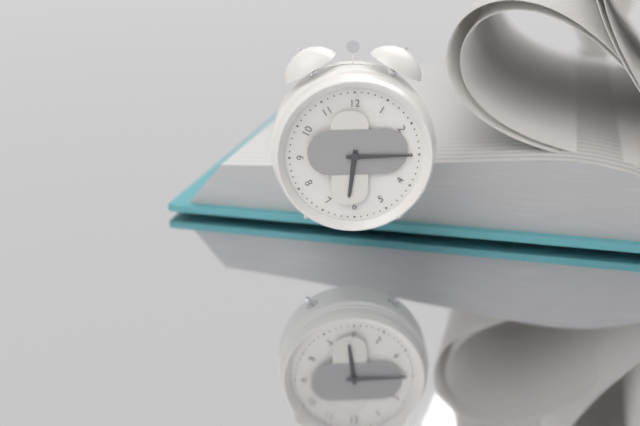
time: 6:15
